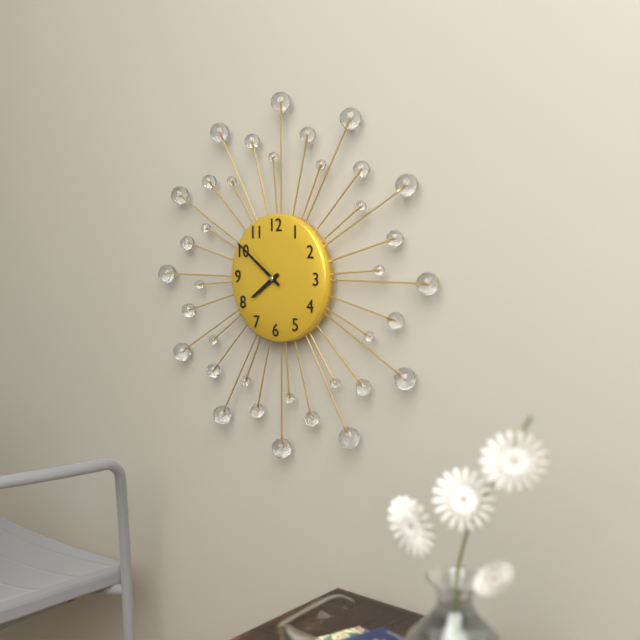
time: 7:51
